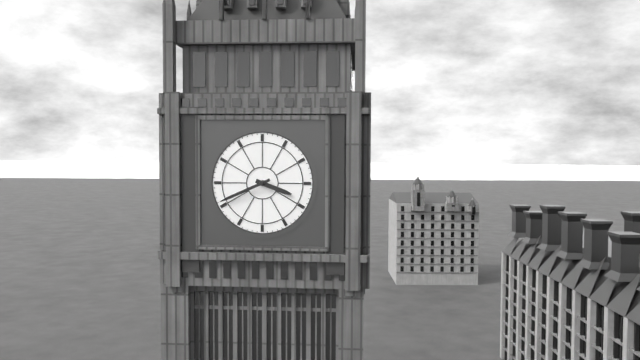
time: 3:41
